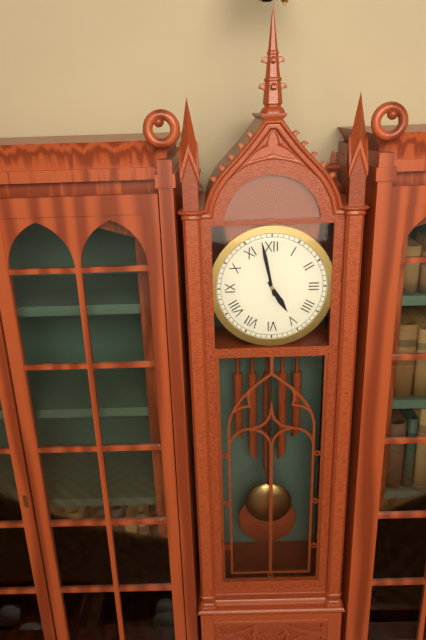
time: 4:58
